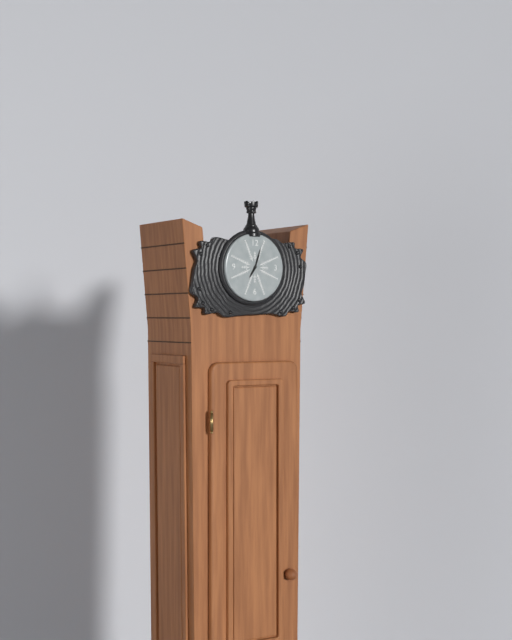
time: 7:03
